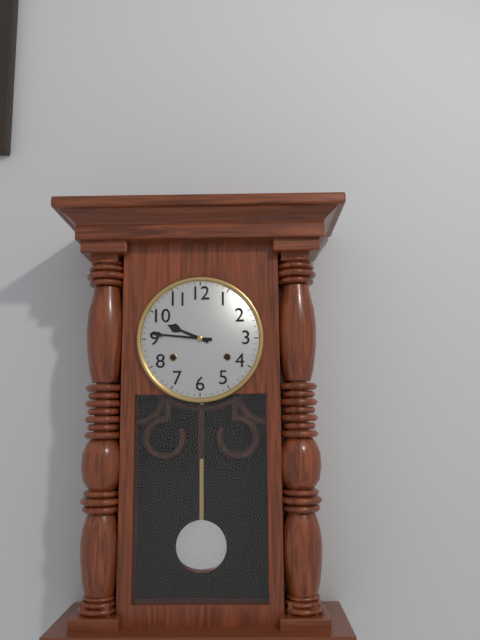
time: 9:46
